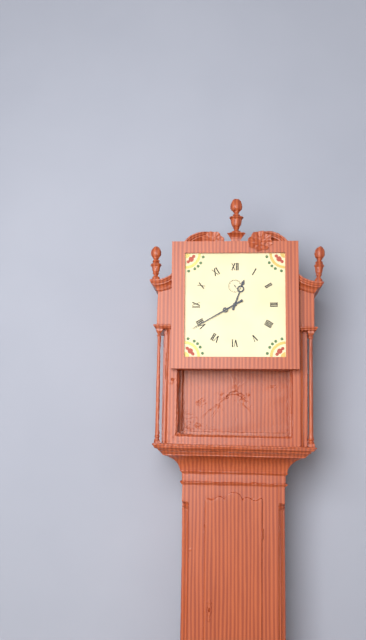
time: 12:40
